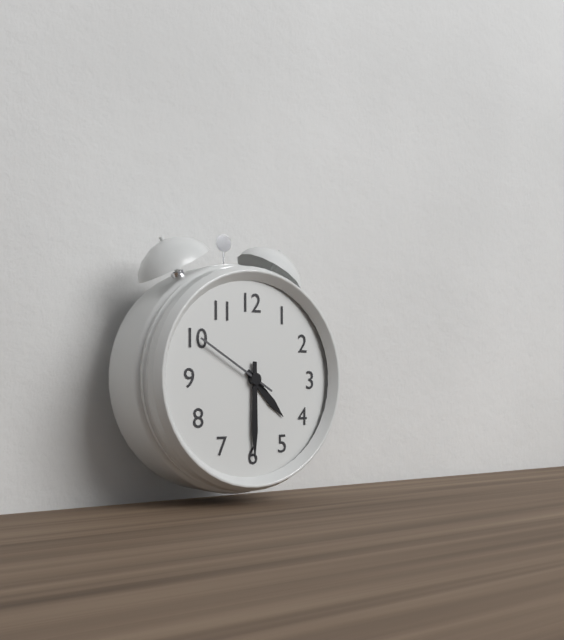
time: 4:30:50
